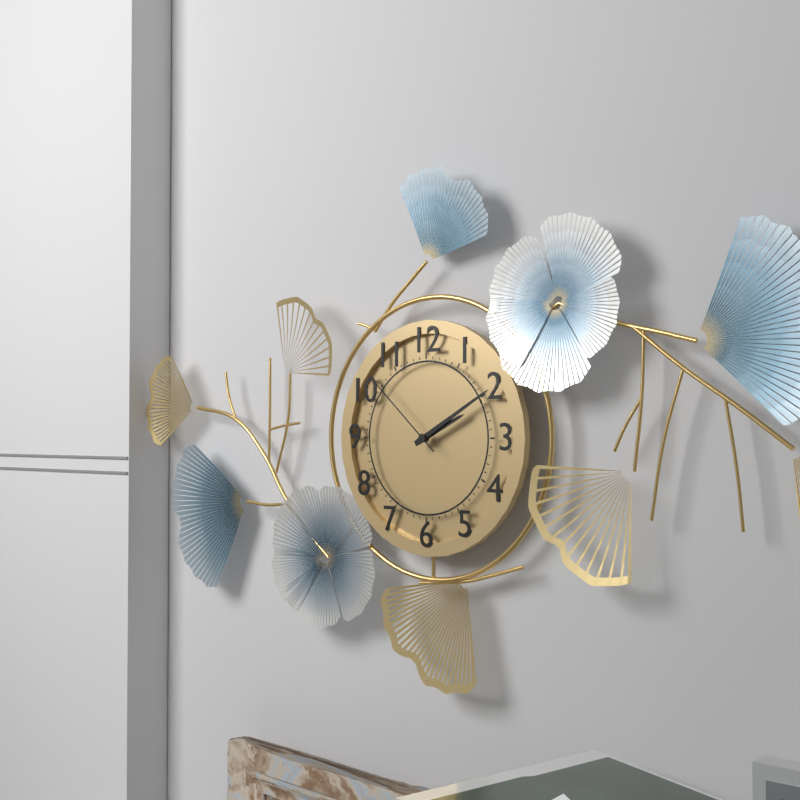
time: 2:10:52
